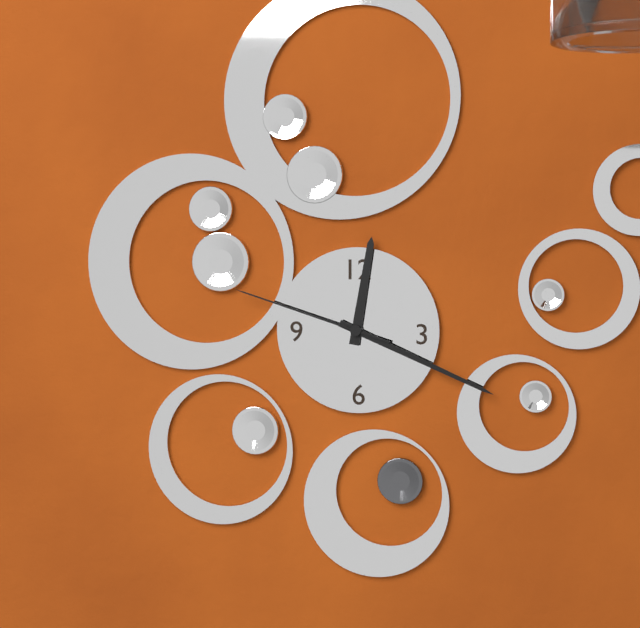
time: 12:19:48
